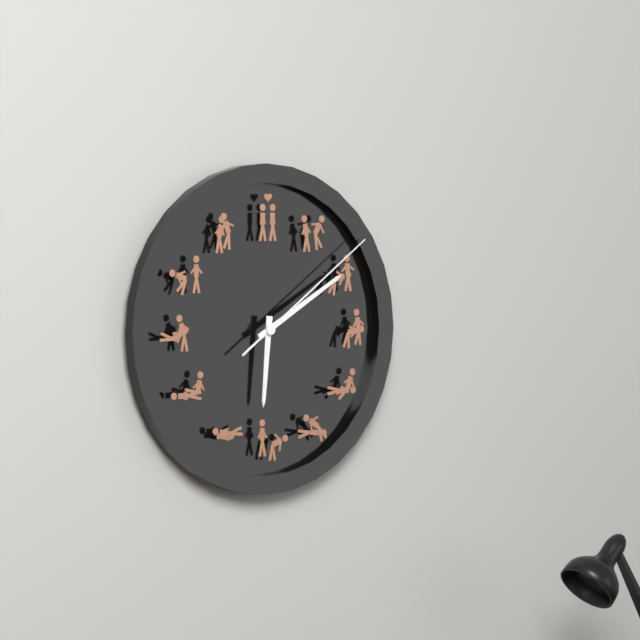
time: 6:10:09
